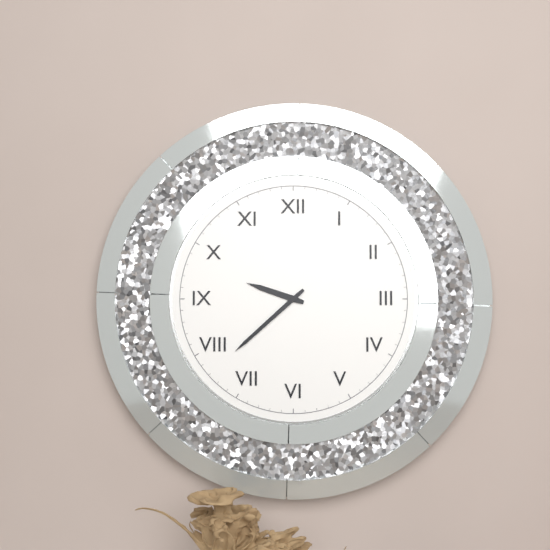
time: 9:38
